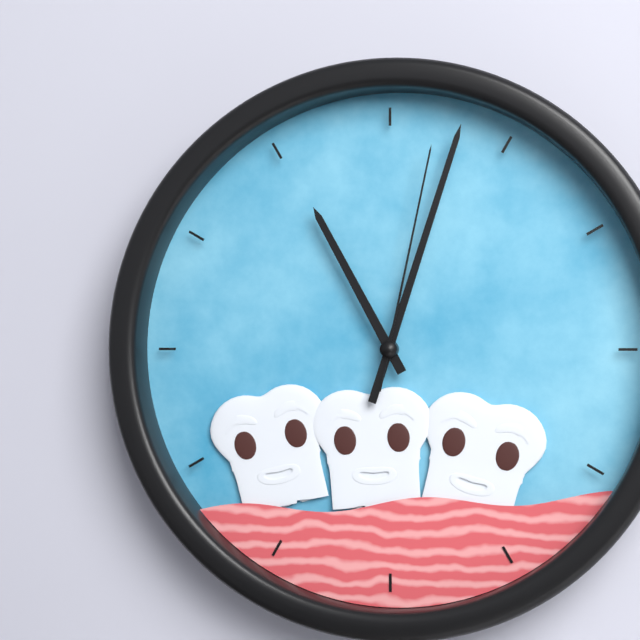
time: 11:03:02
